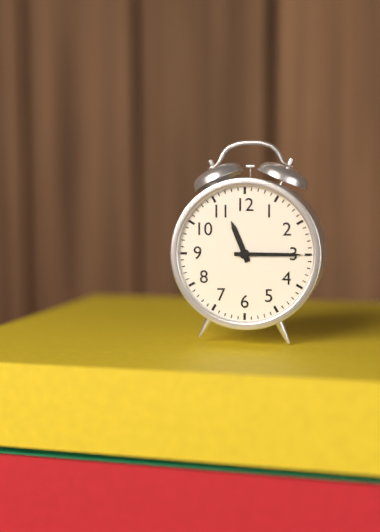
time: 11:15
